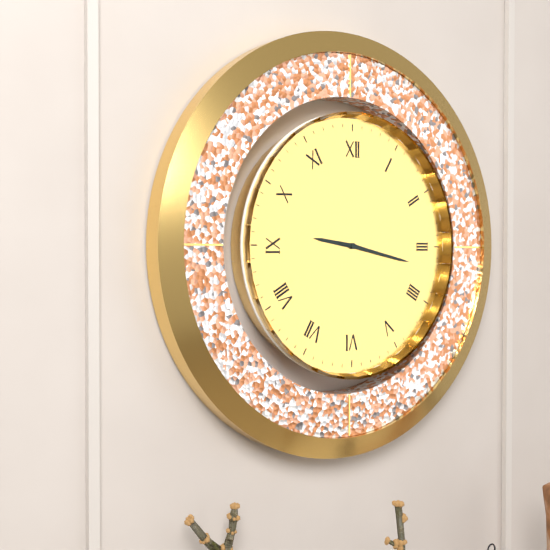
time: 9:17
